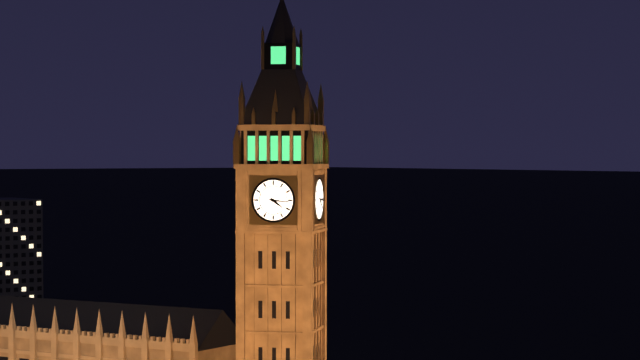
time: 4:16
